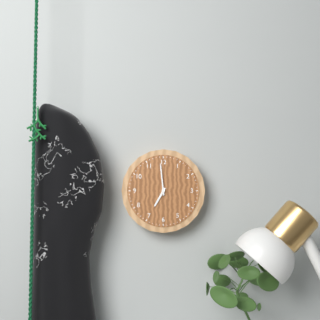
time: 6:59
